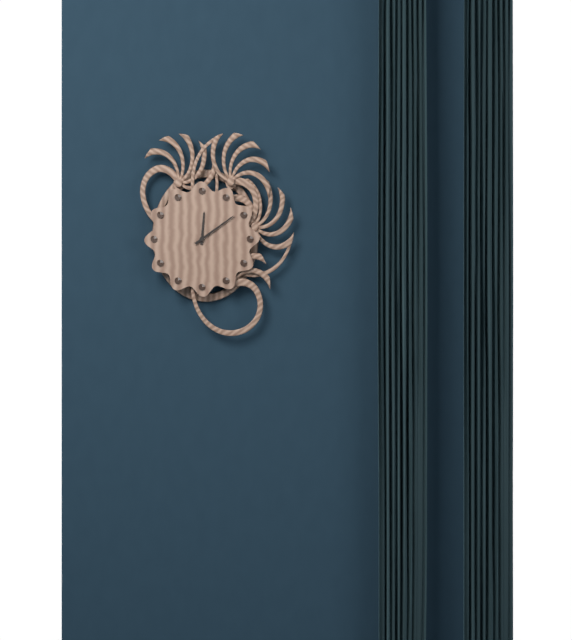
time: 12:09
